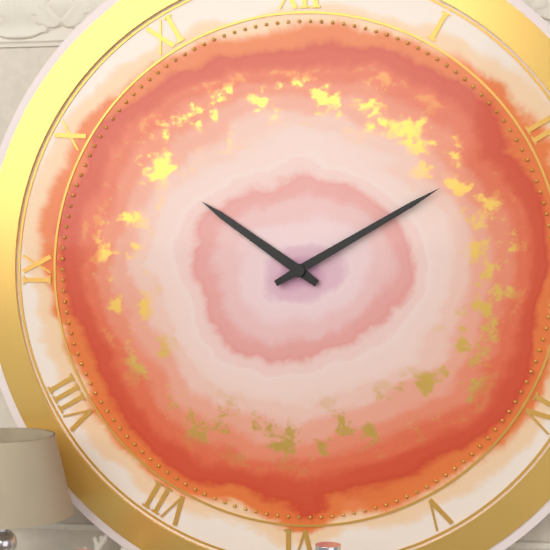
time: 10:10
